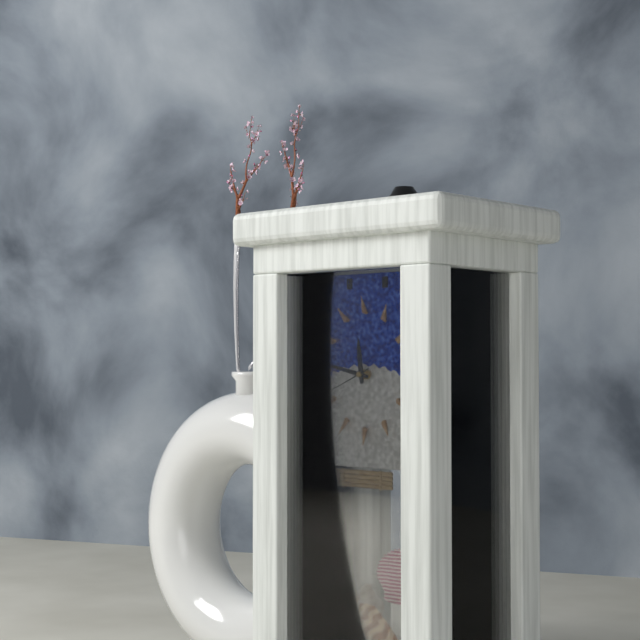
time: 11:47
